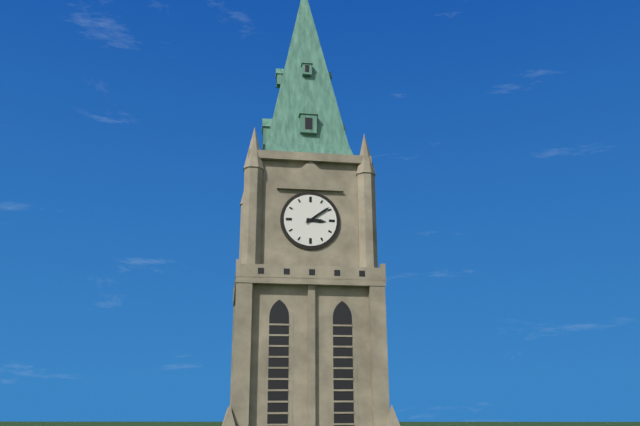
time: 3:09
